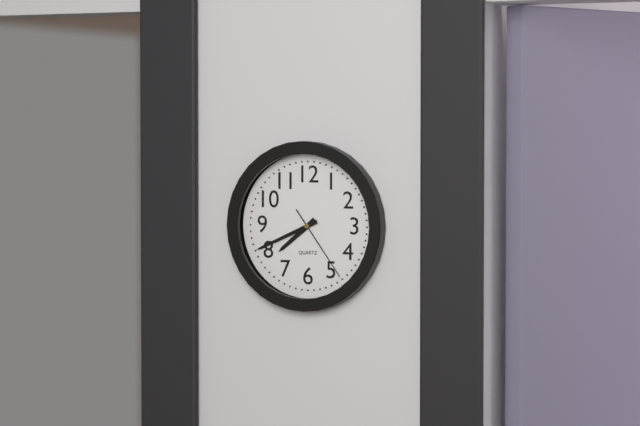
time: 7:41:24
